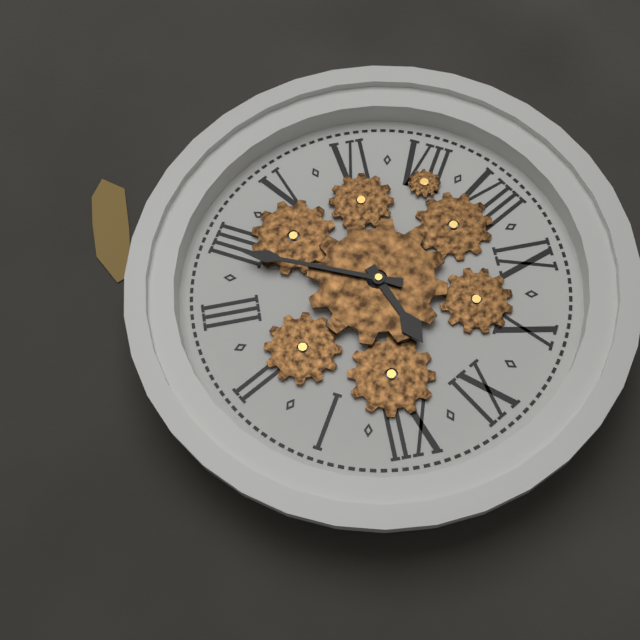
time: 11:19
